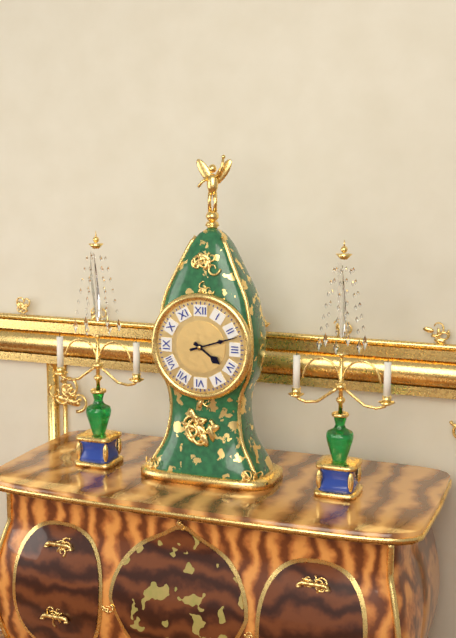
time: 4:12
